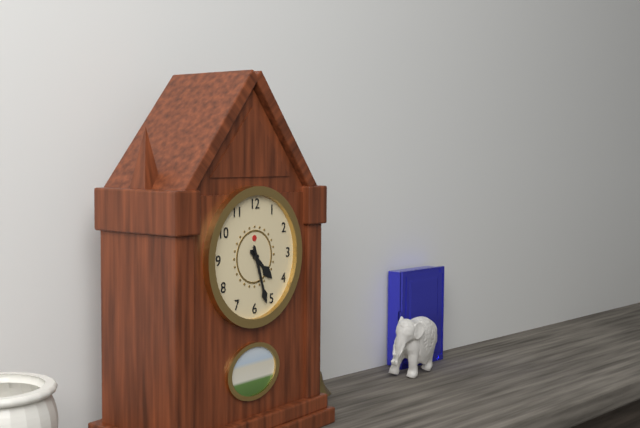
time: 4:27
